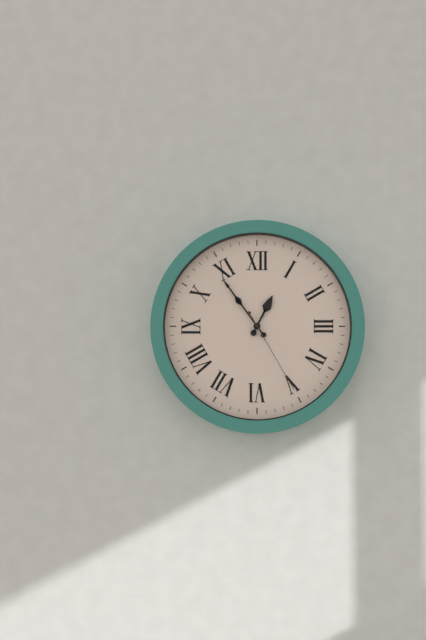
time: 12:54:25
